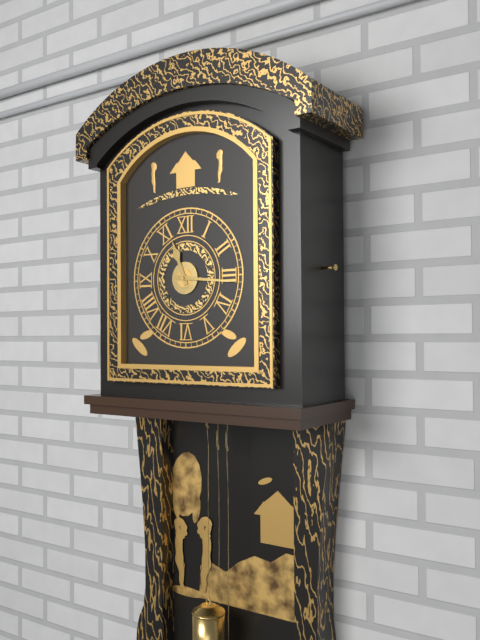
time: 11:16
